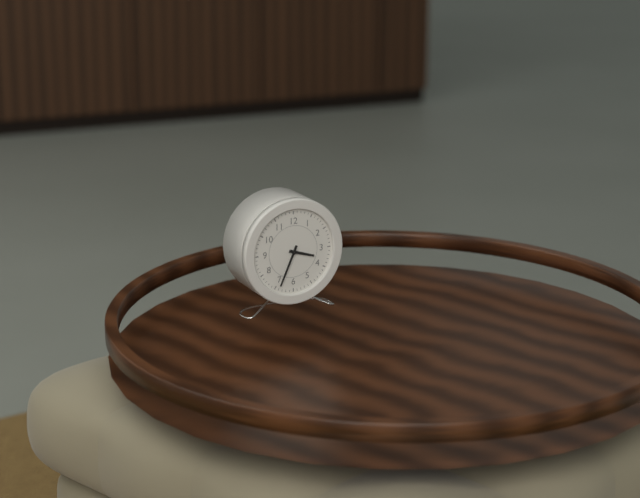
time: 3:34
